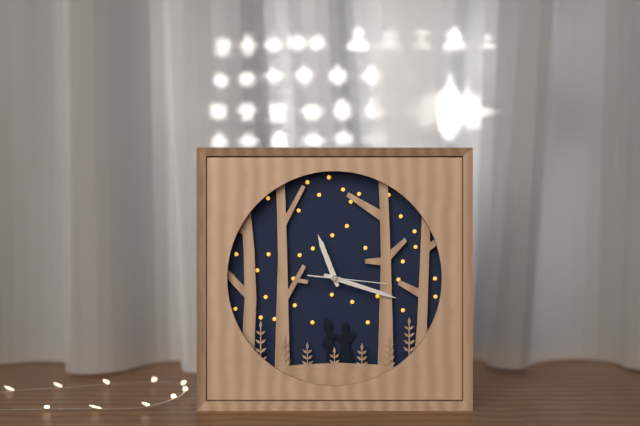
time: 11:18:16
